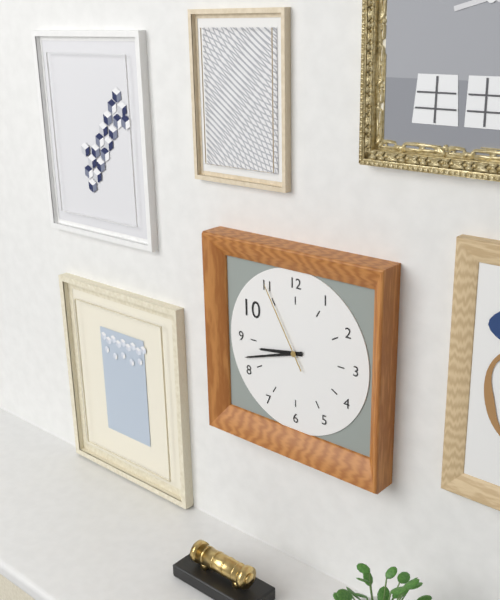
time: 8:42:55
